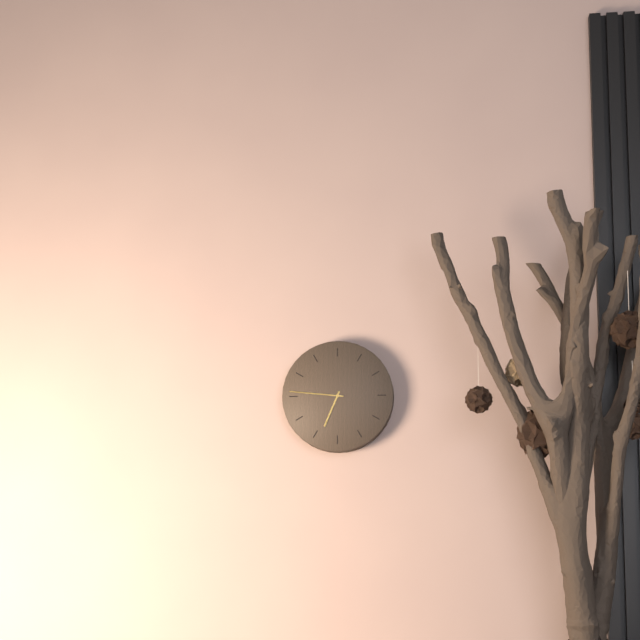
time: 6:46
